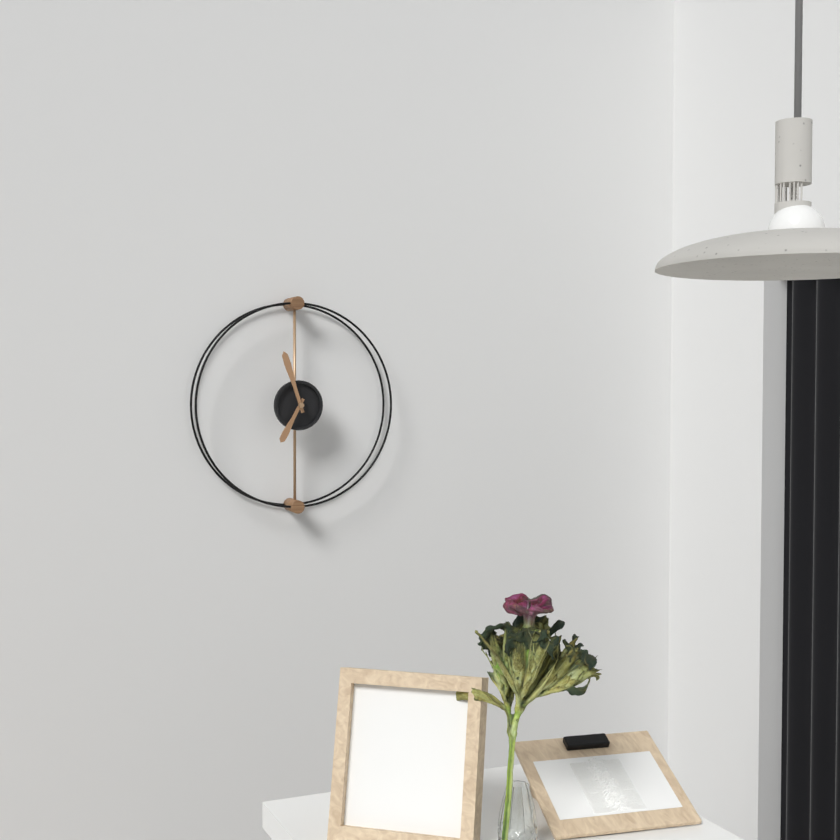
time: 6:57
